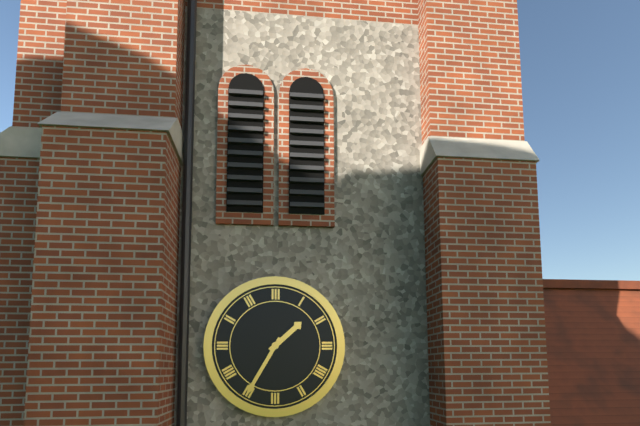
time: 1:35
